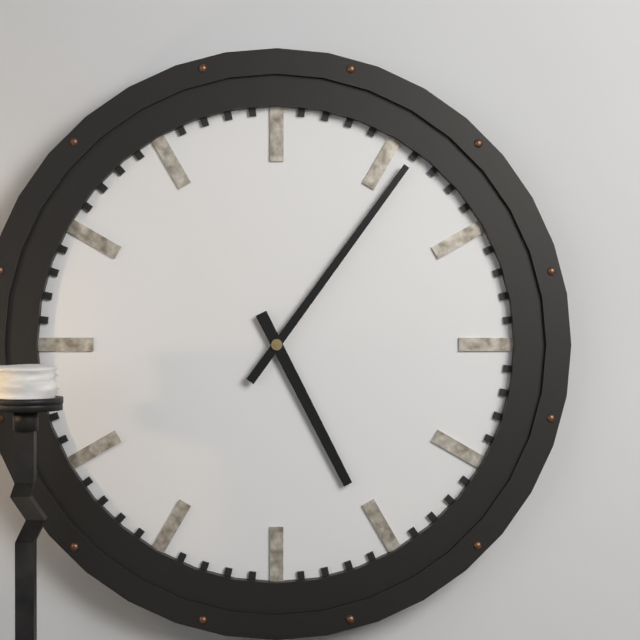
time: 5:06
